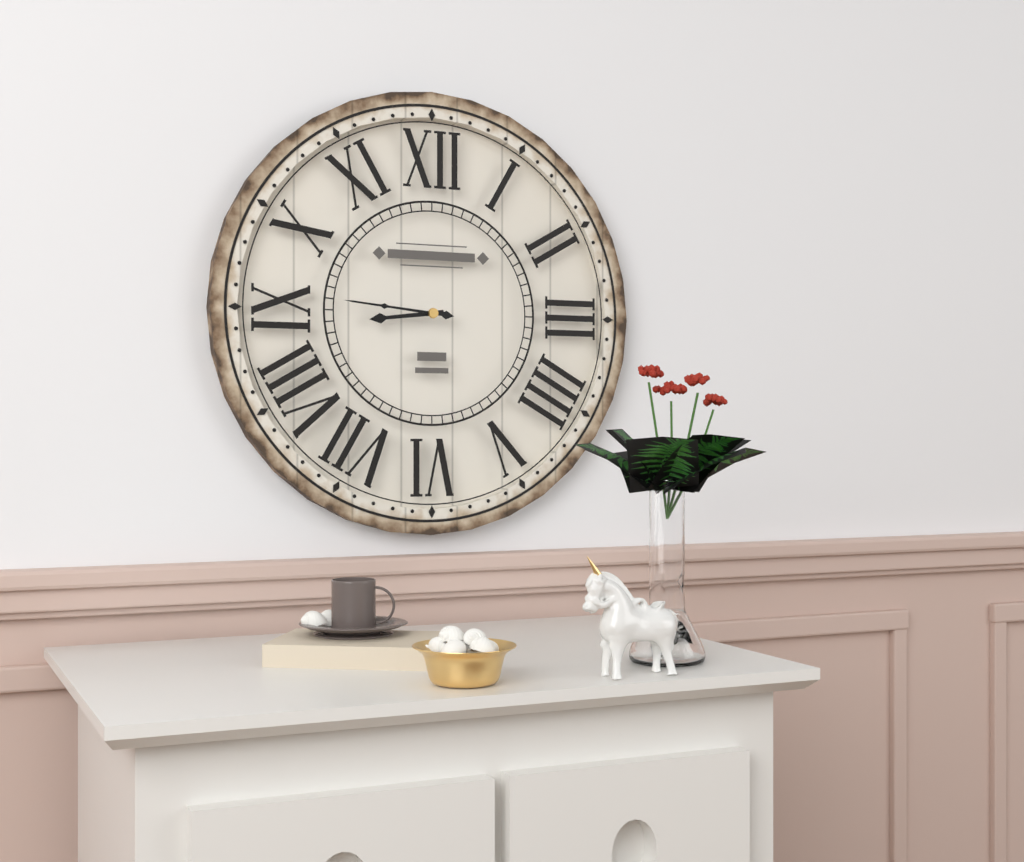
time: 8:46
